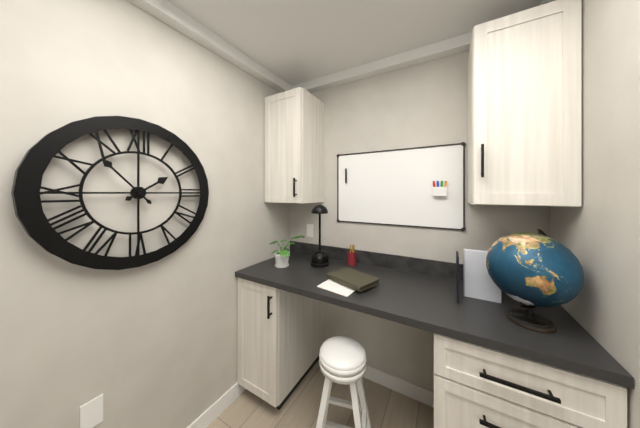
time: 1:53
